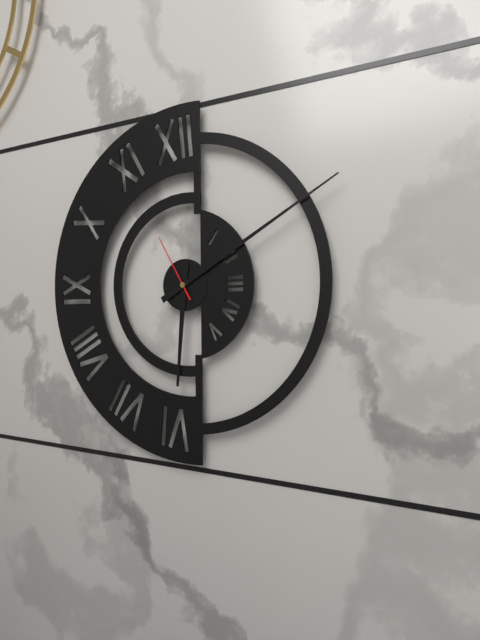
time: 6:10:55
